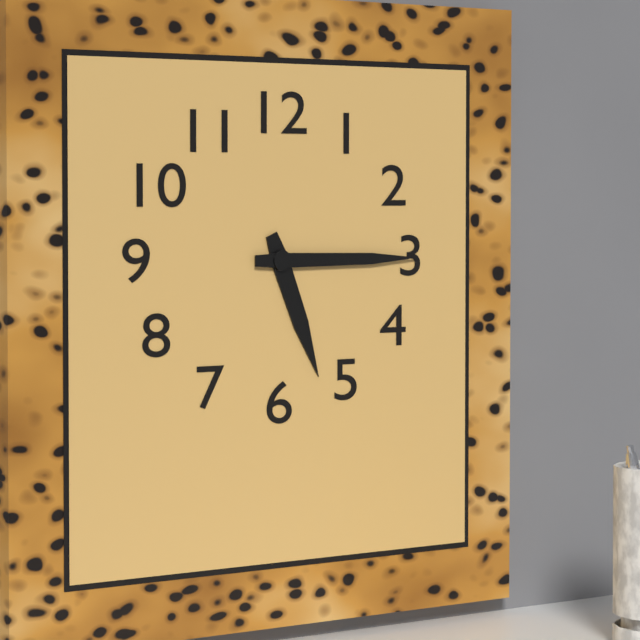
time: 5:15
